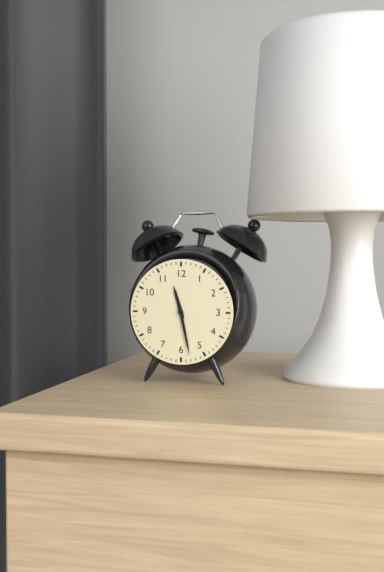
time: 11:28
